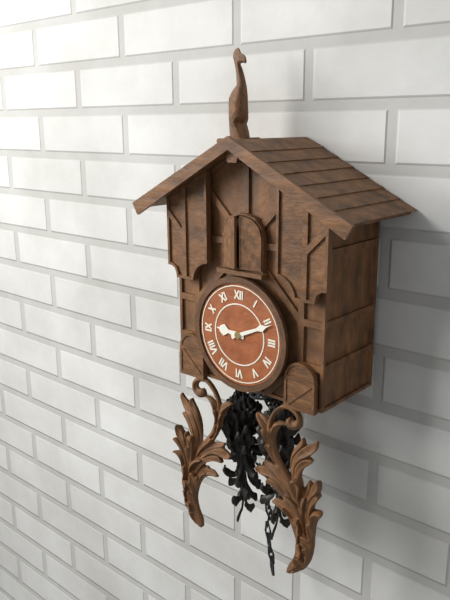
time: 9:11
